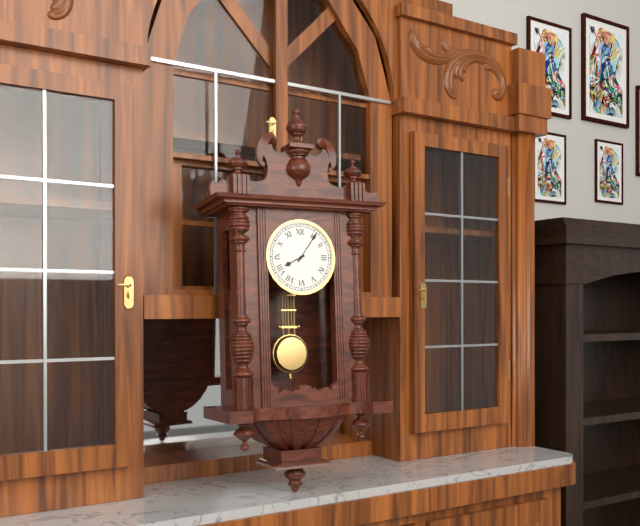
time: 8:06
